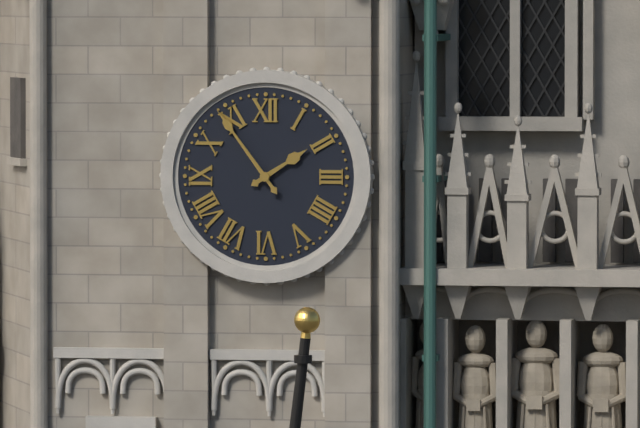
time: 1:54
